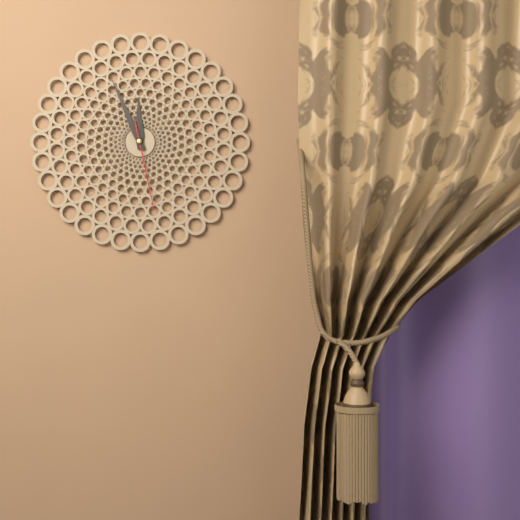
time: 11:56:28
